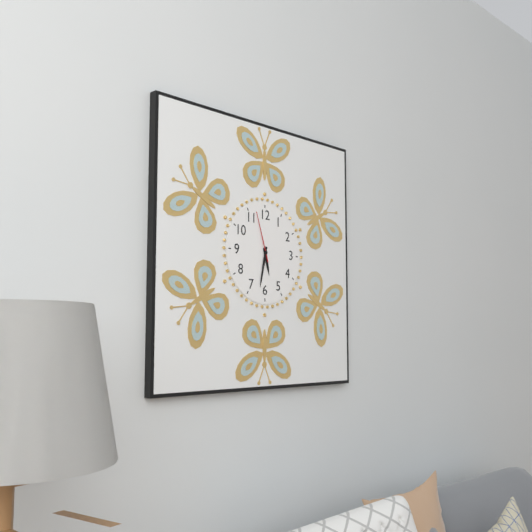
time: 5:32:57
